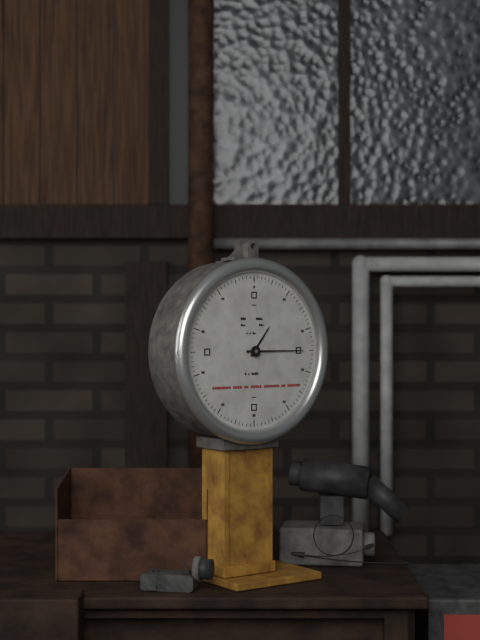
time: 1:15
